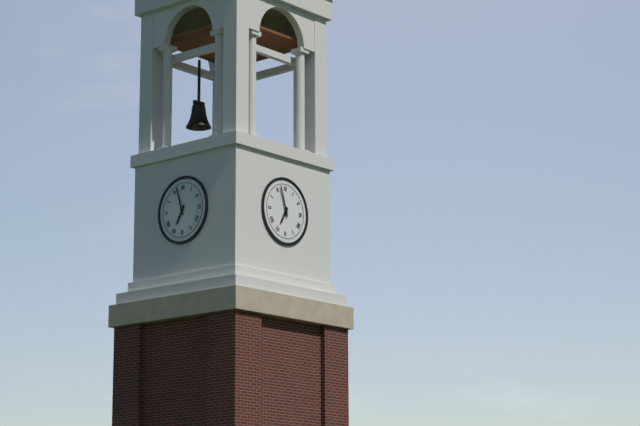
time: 6:57
